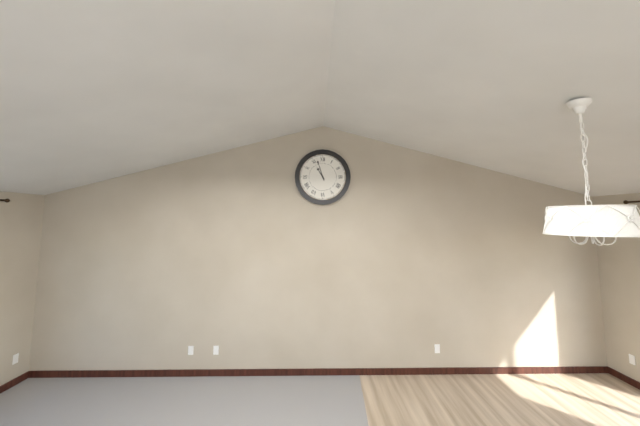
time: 10:57
